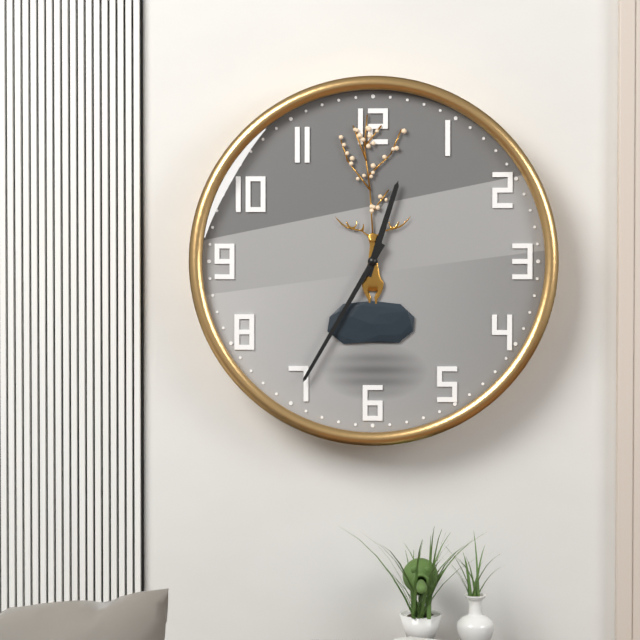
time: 12:35
